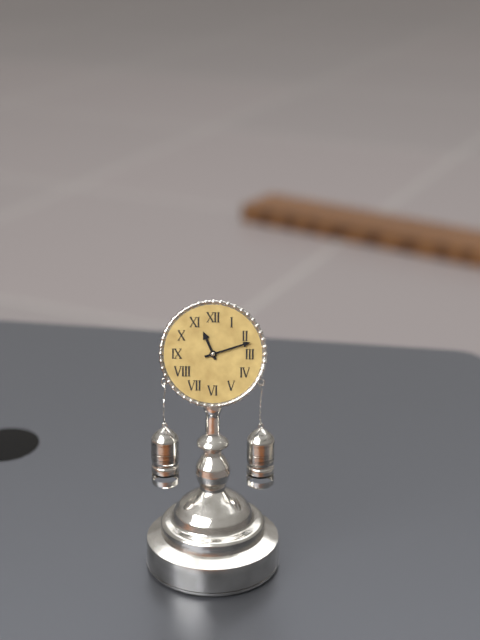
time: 11:12
